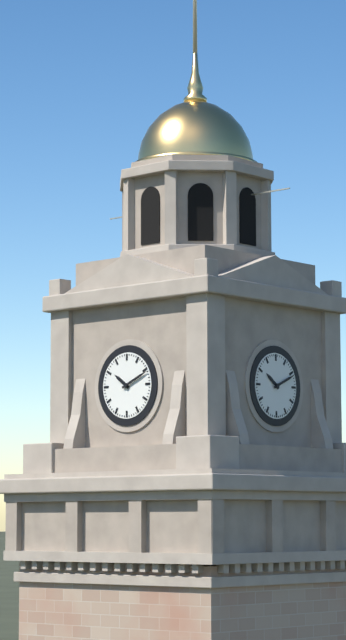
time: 10:11
